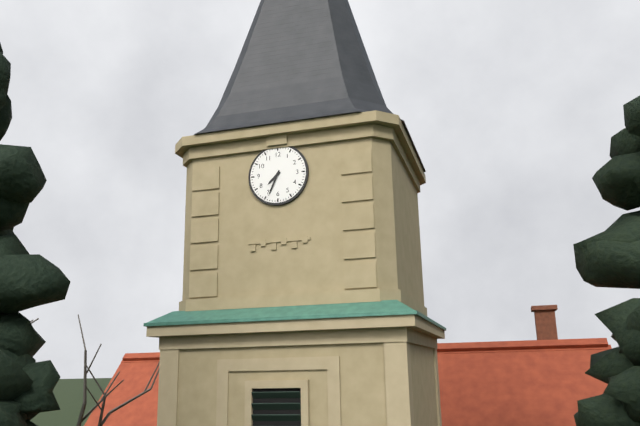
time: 7:34
